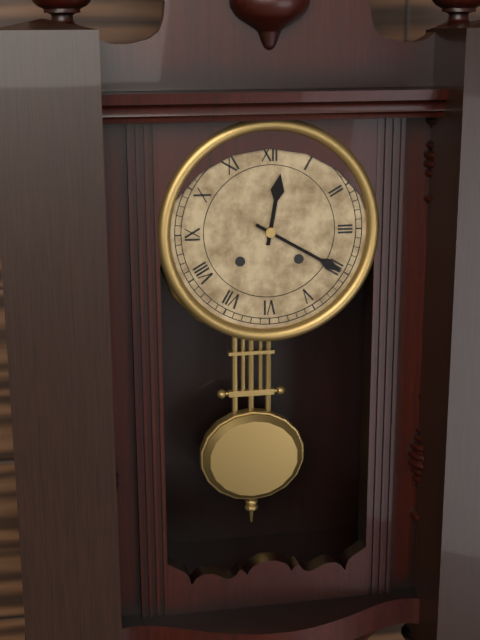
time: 12:20
